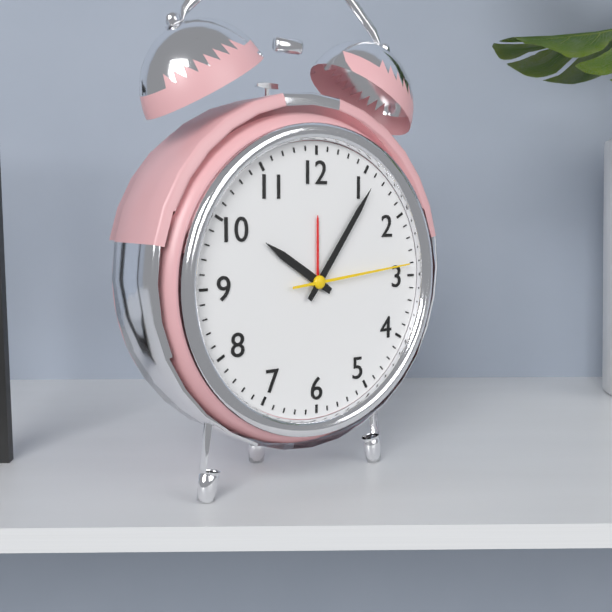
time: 10:06:14
